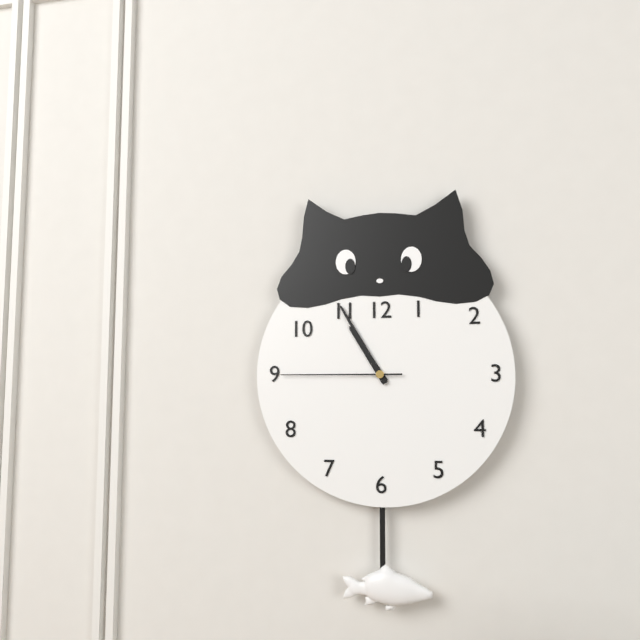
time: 10:55:45
